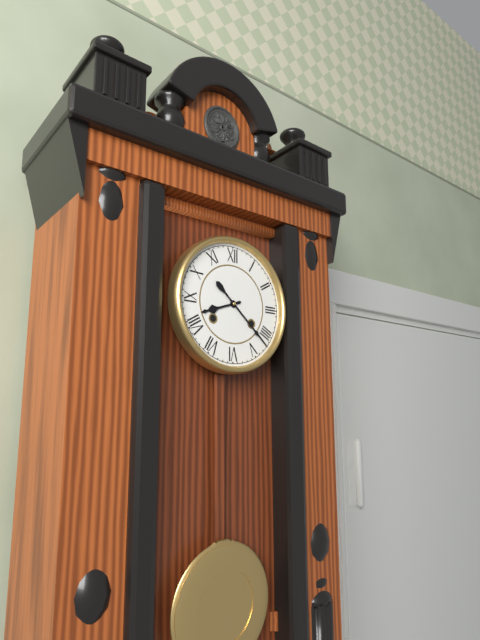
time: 8:22
